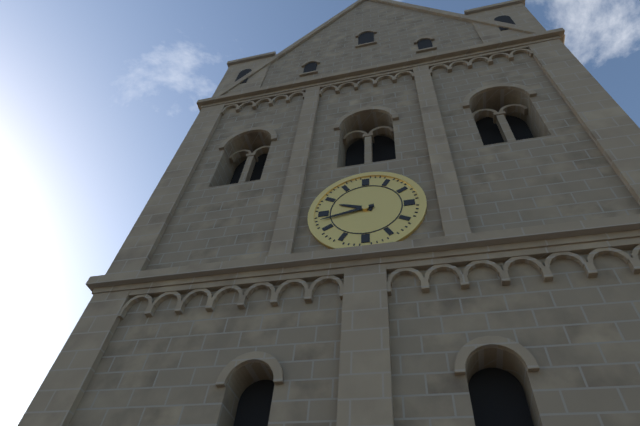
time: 9:43
